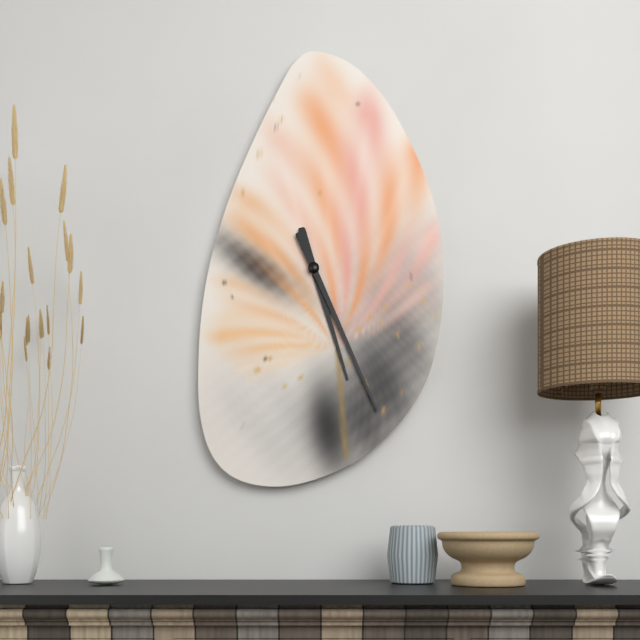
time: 5:26
